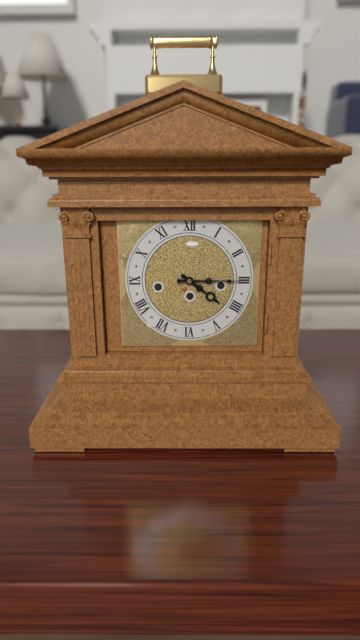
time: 4:15
